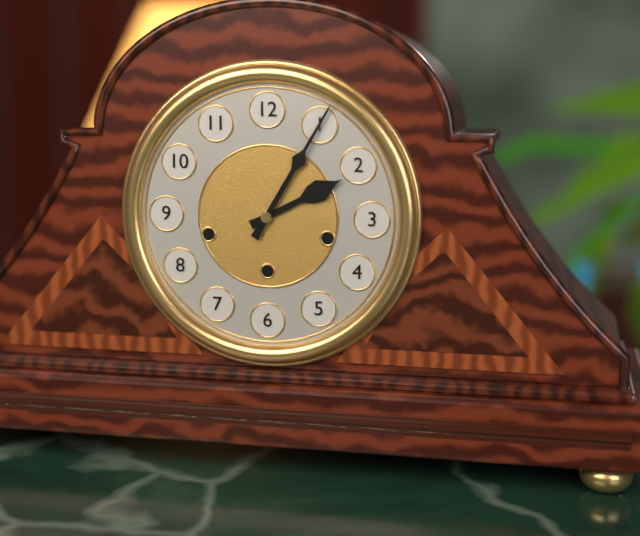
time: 2:05
